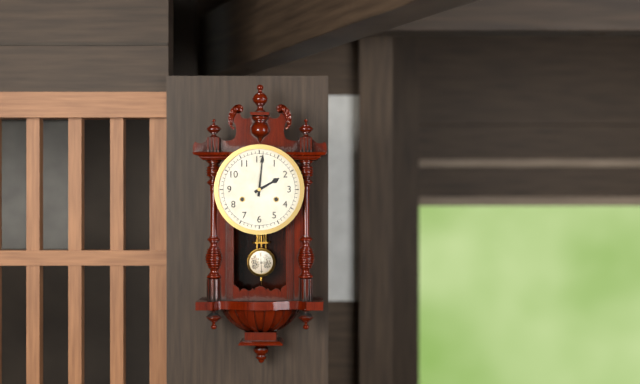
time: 2:01
